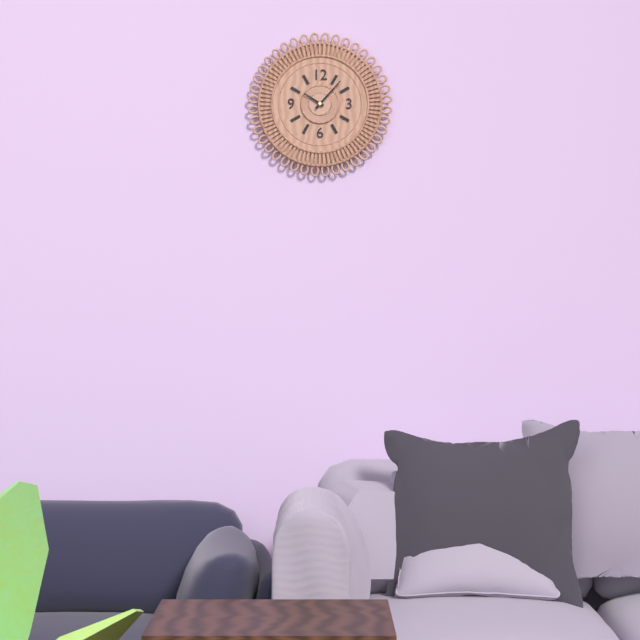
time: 10:07
